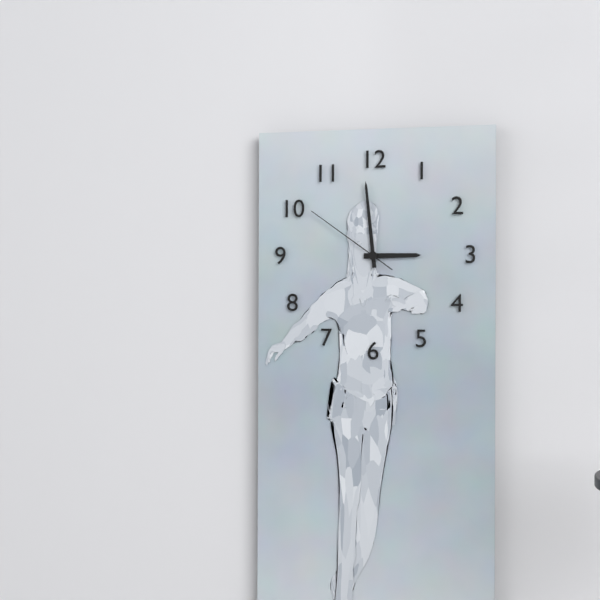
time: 2:59:51
